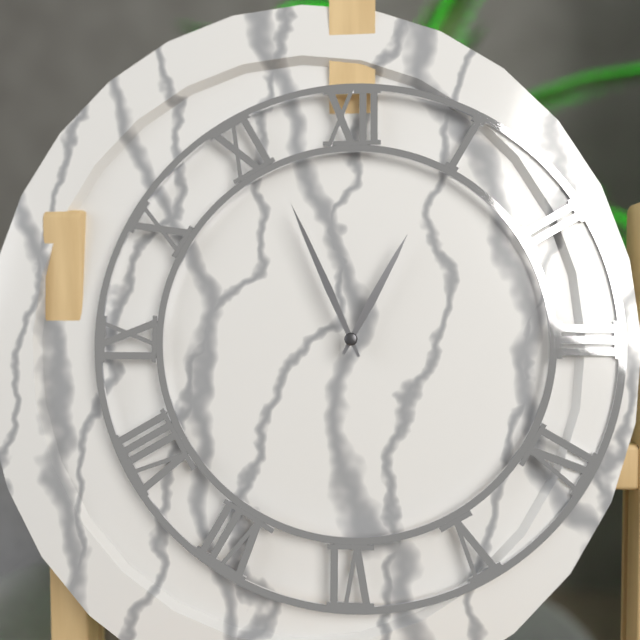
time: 12:56
